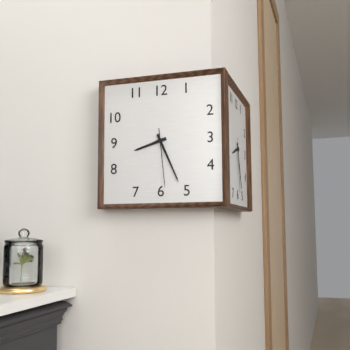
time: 8:26:29
